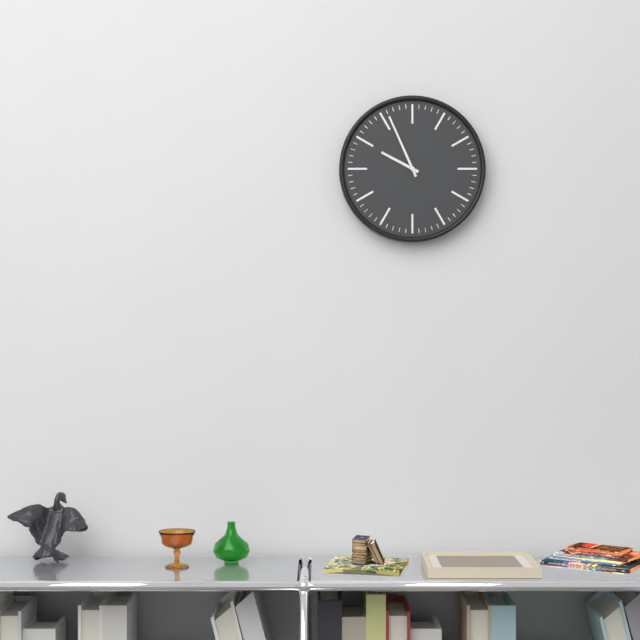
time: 9:56
